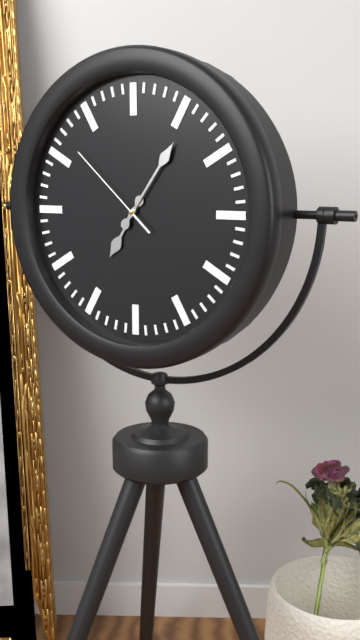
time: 7:06:52
